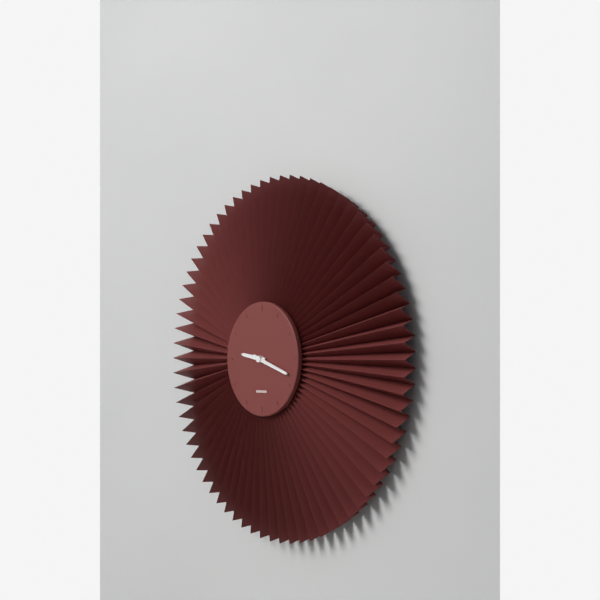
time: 9:18
